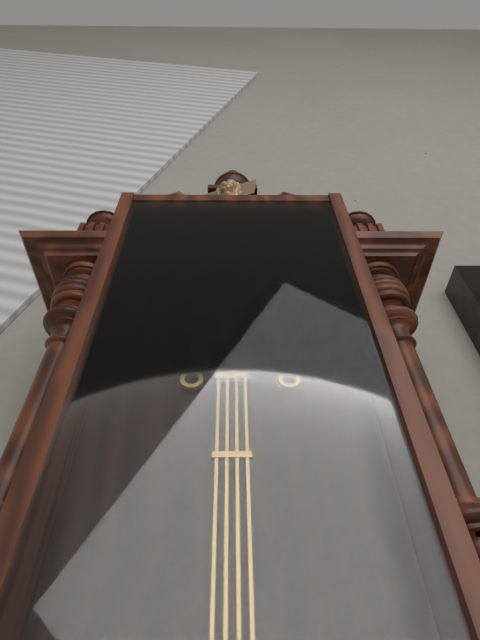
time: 5:36
